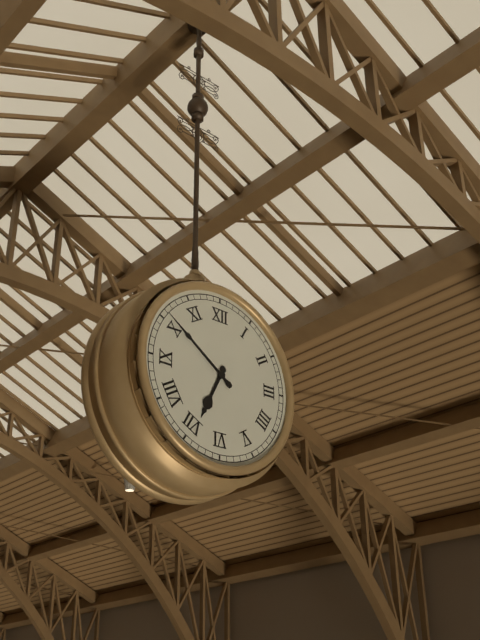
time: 6:51
